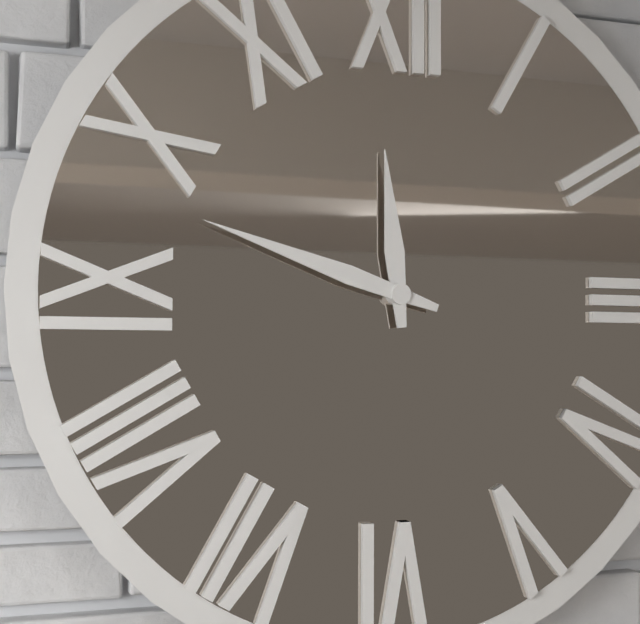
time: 11:48
